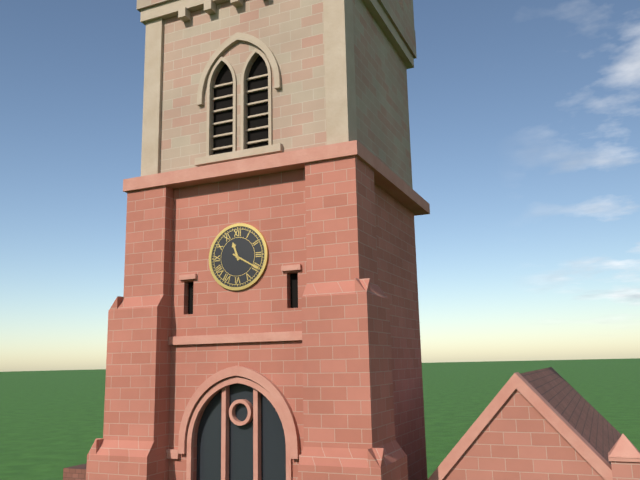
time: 11:20
